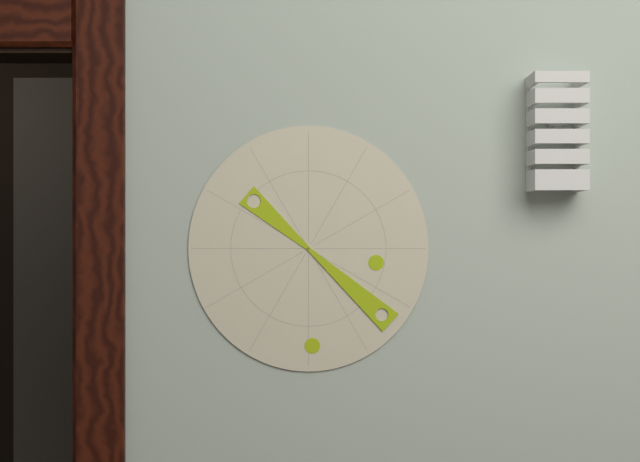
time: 10:22
